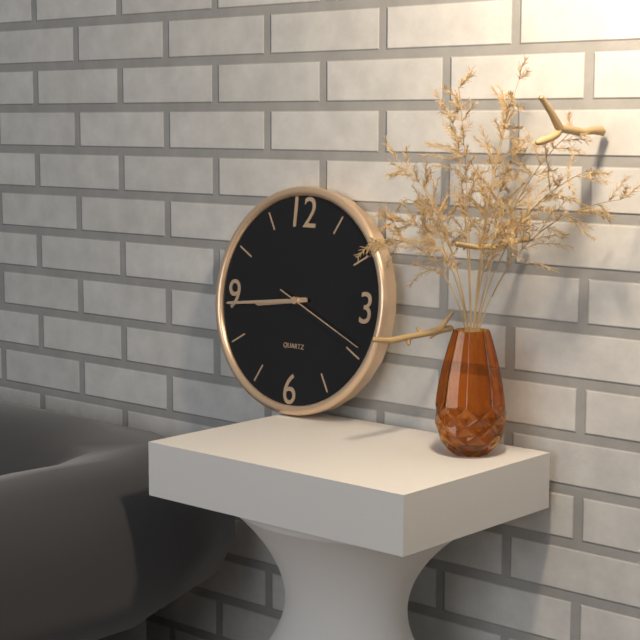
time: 8:44:19
